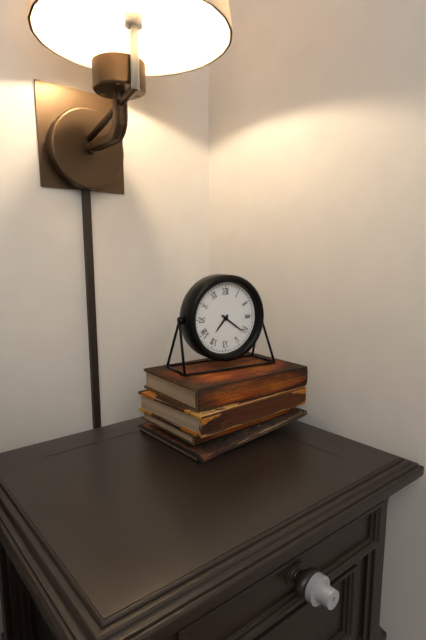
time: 7:21
